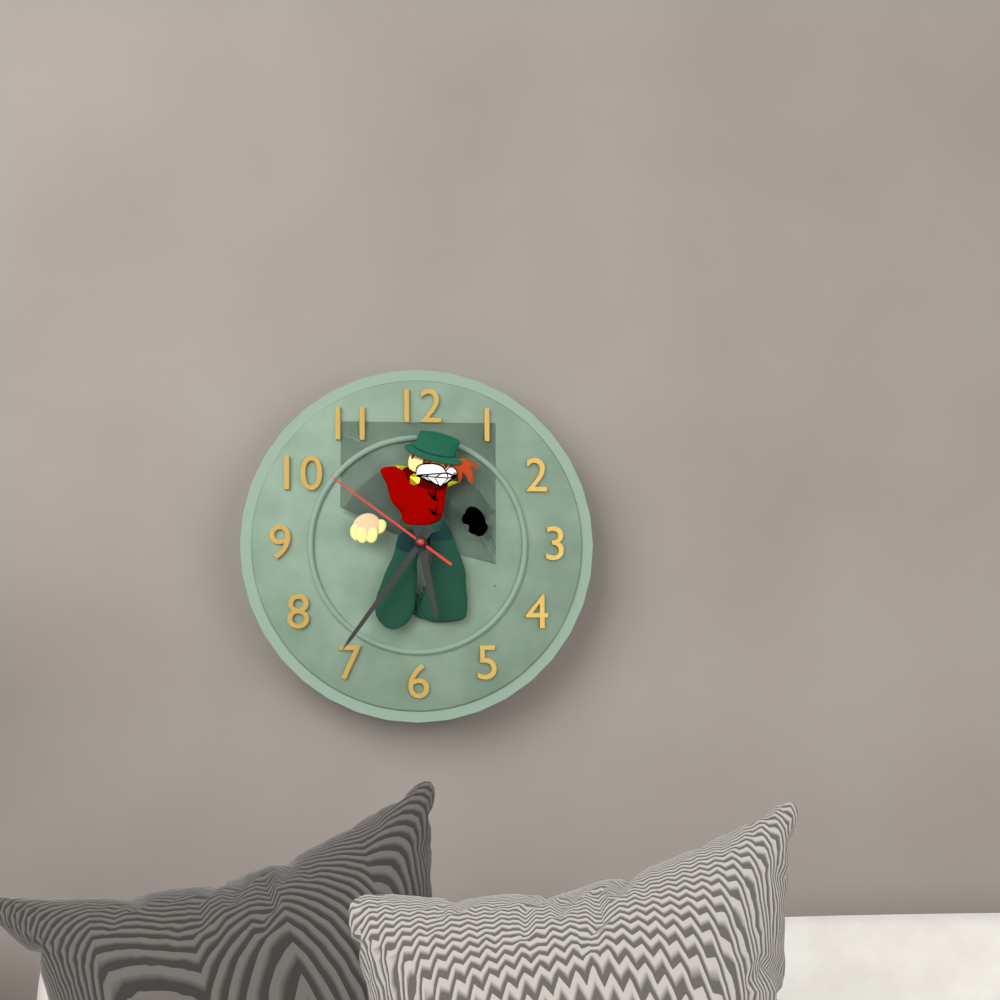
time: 5:36:51
